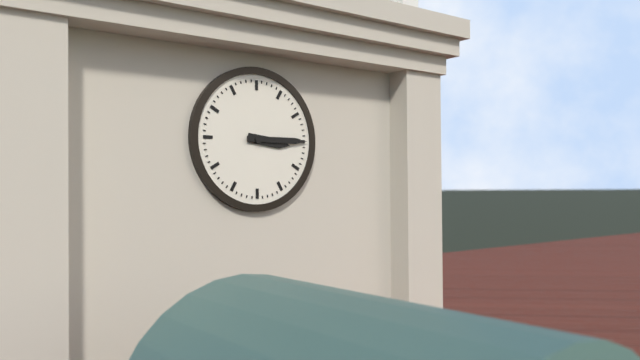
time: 3:15
